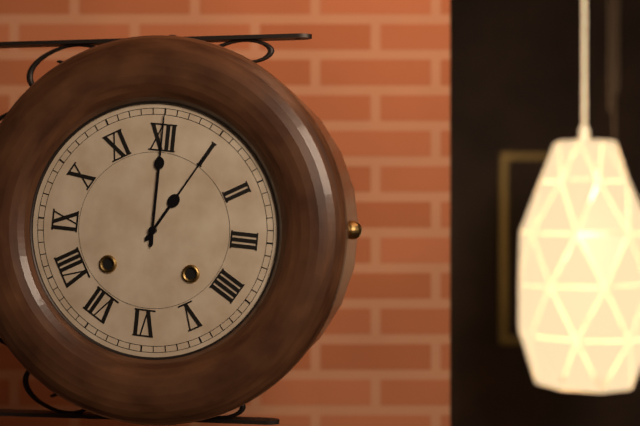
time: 1:00
